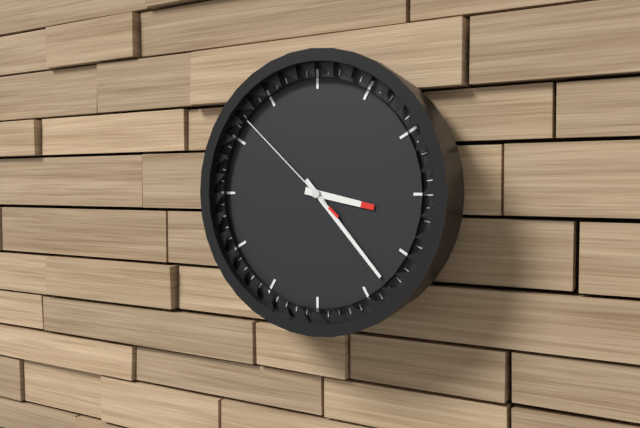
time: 3:23:52
